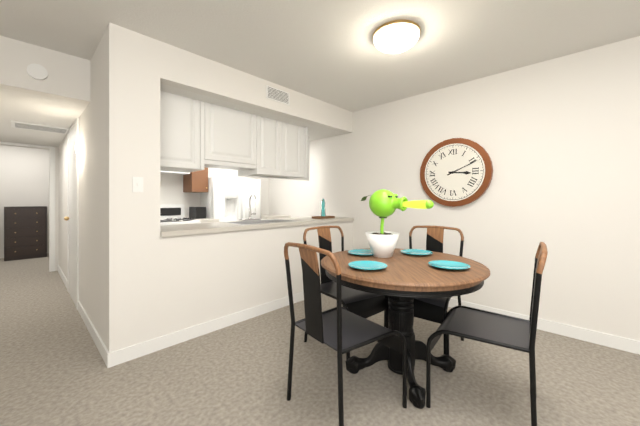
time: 3:11
